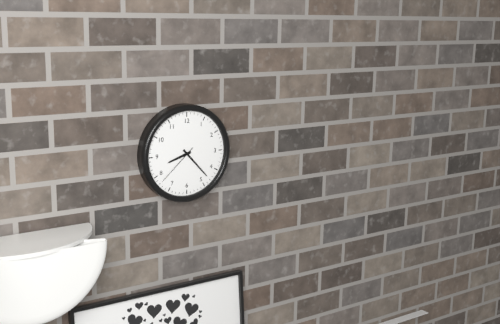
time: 8:23
